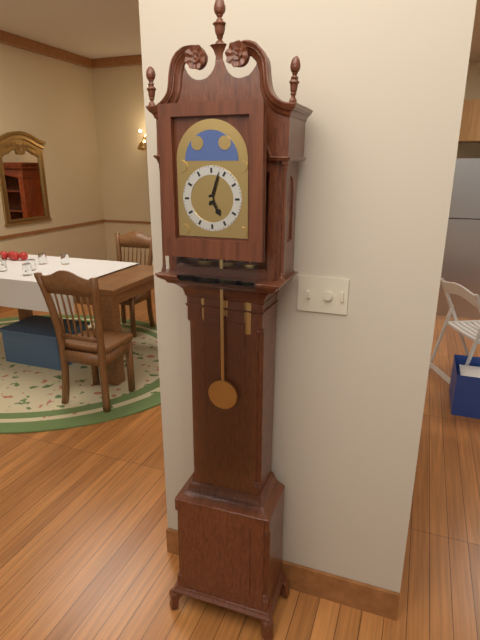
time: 5:03
